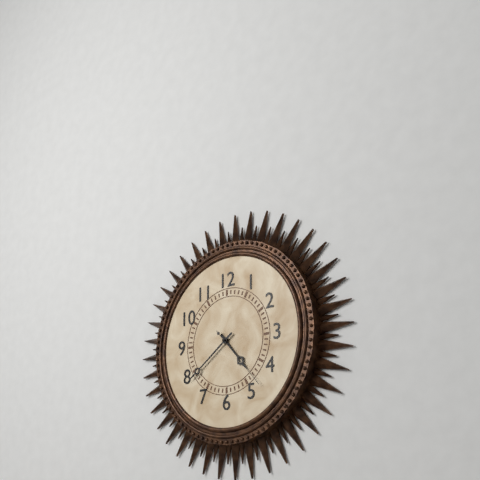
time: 4:39:23
